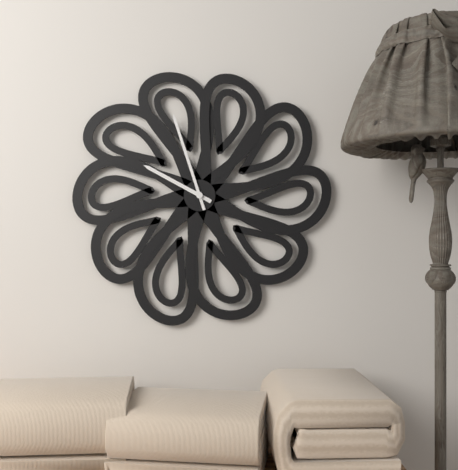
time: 9:57
